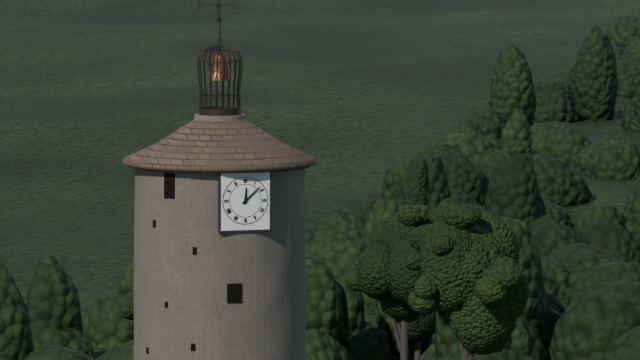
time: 12:08
